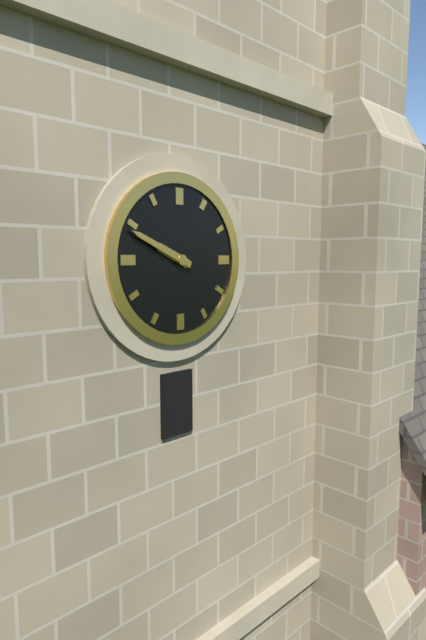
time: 9:49
